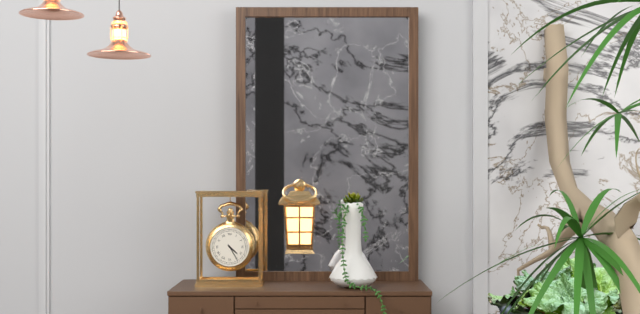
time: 4:25
